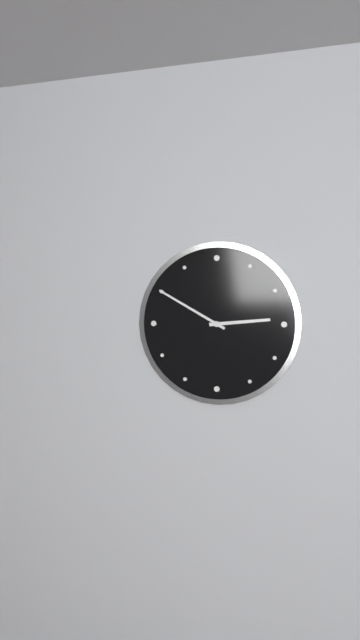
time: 2:50
